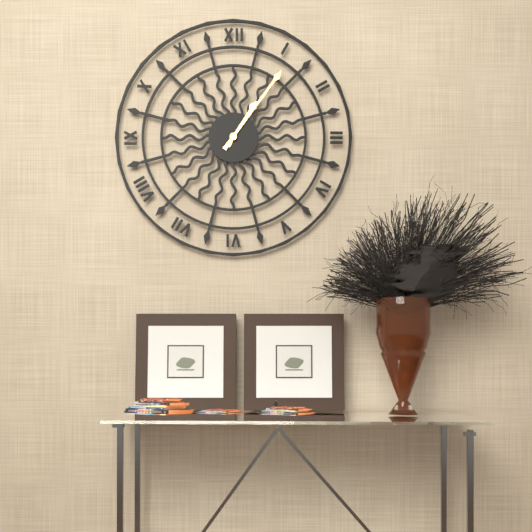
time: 1:06
